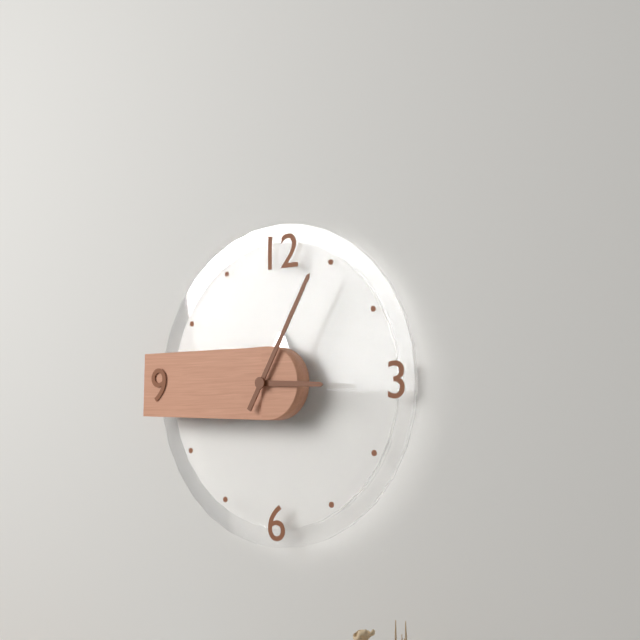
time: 3:05
